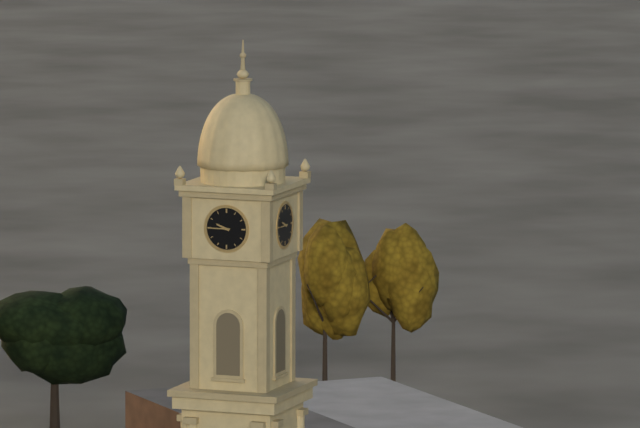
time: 9:45
